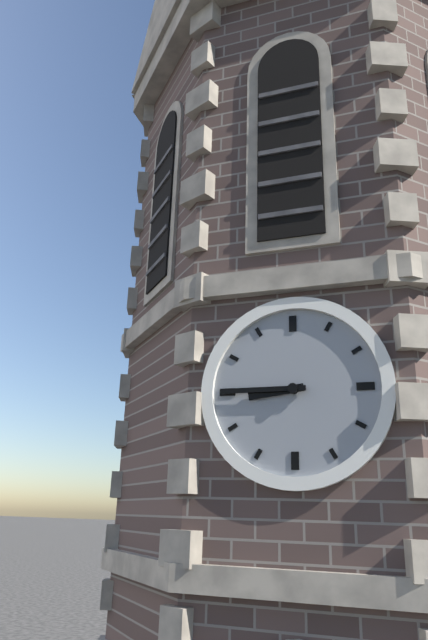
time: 8:45
